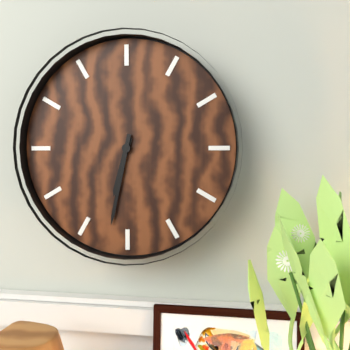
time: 6:32
